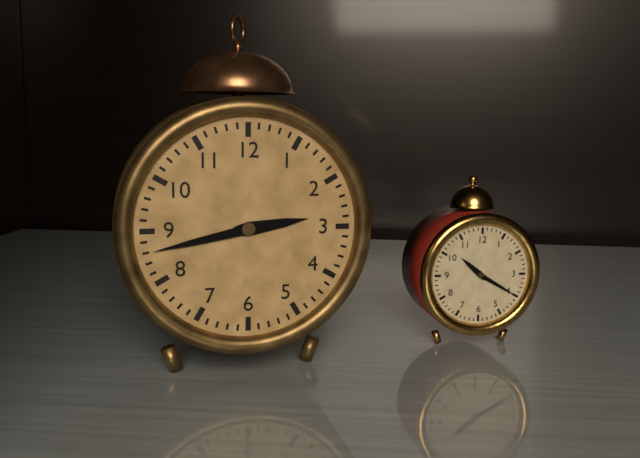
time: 2:43
